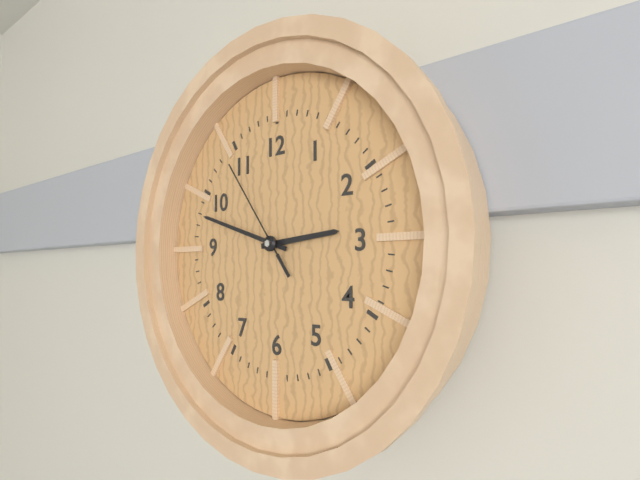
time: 2:48:54
